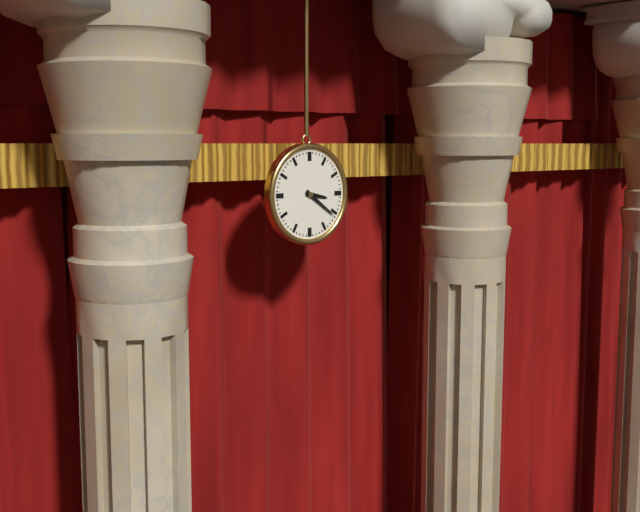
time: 3:21
